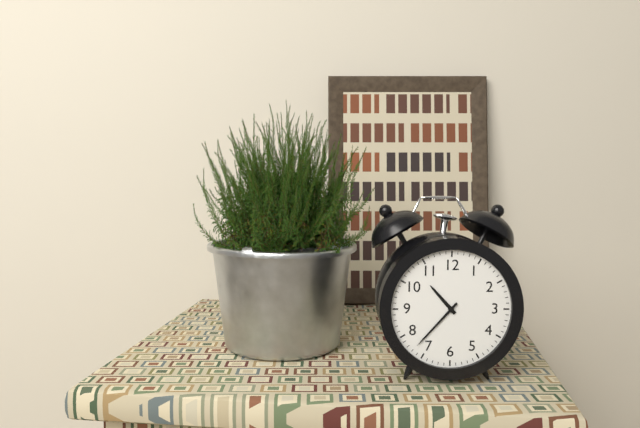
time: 10:37
